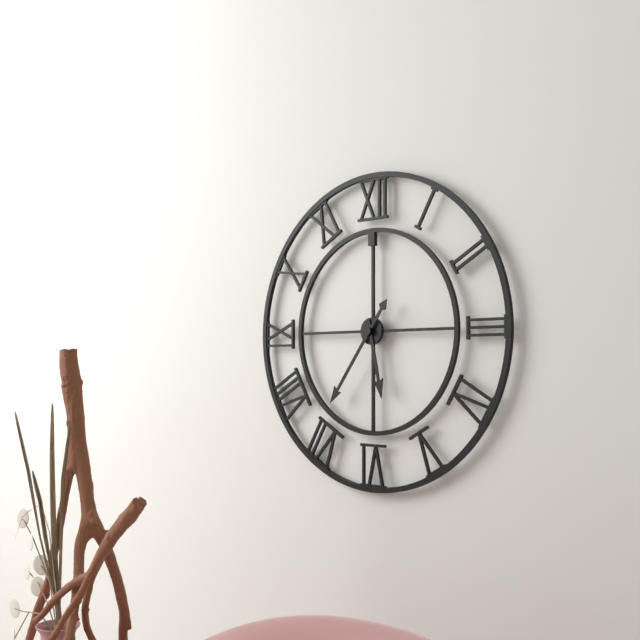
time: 5:36
